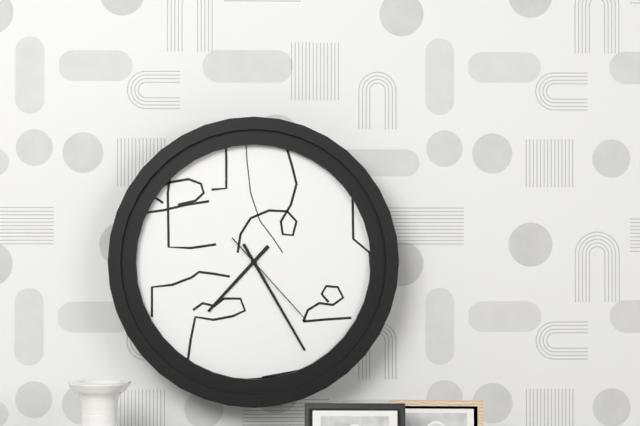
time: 7:25:23
